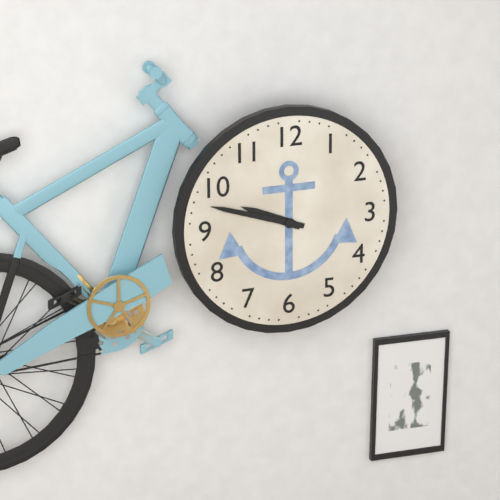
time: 9:48
